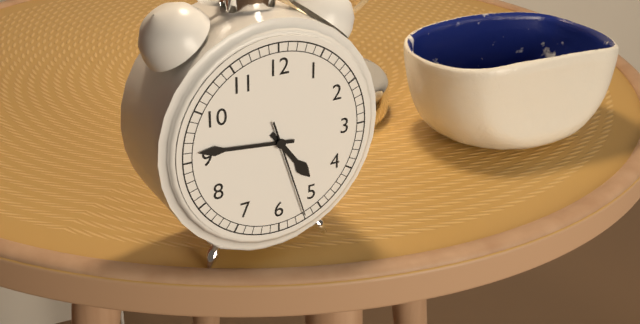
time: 4:46:27
